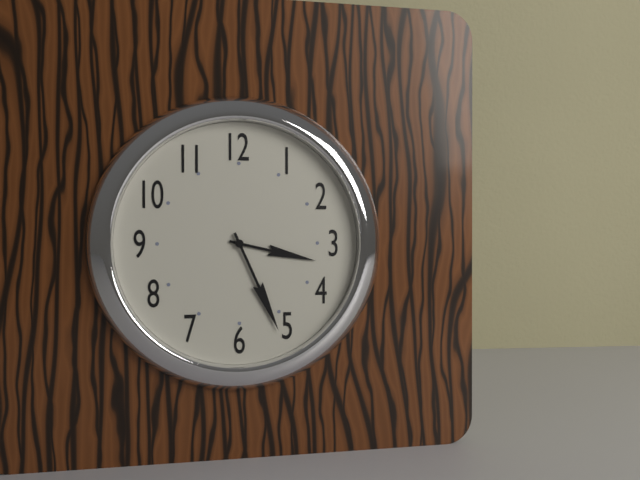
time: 3:26
